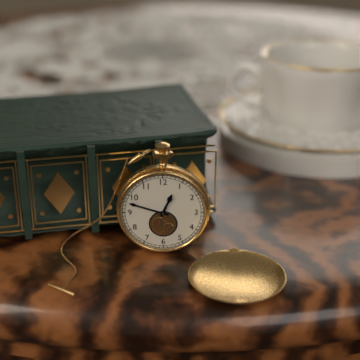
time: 12:48
